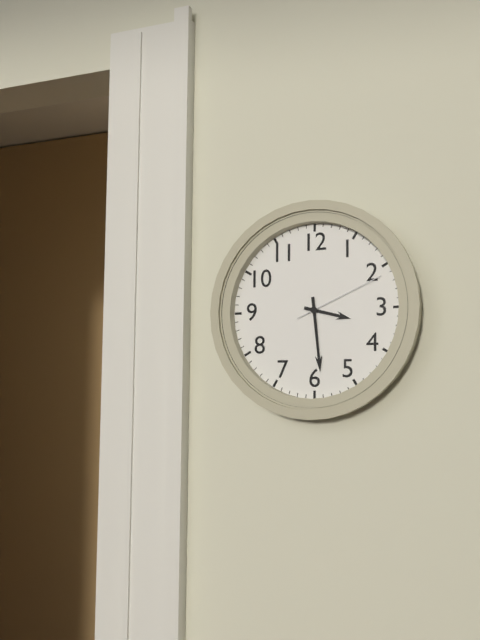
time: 3:29:11
